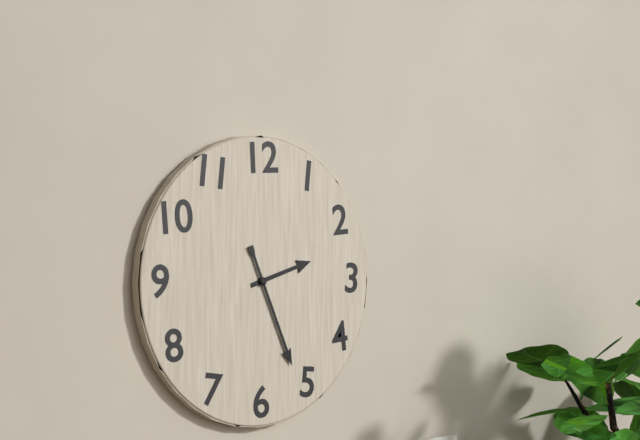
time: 2:26
